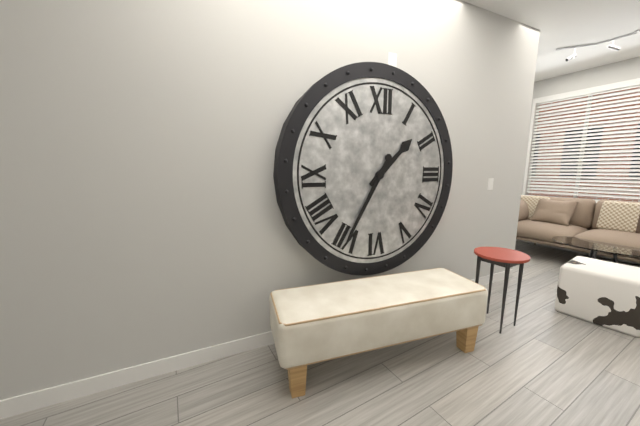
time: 1:35
